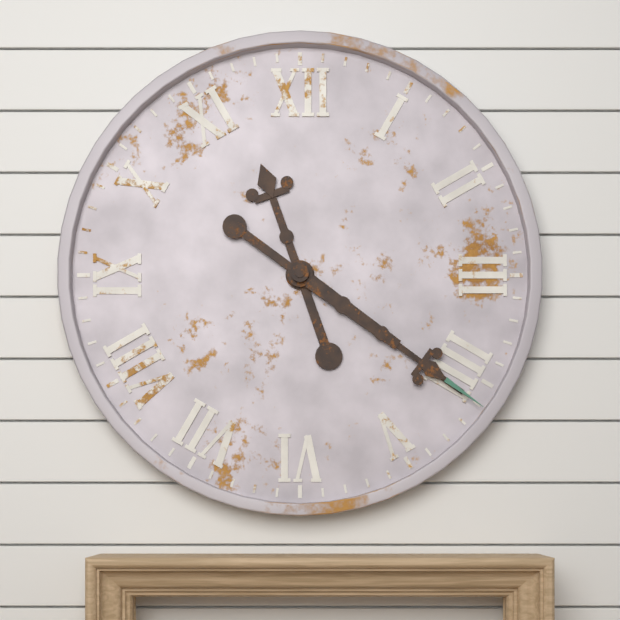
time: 11:21
